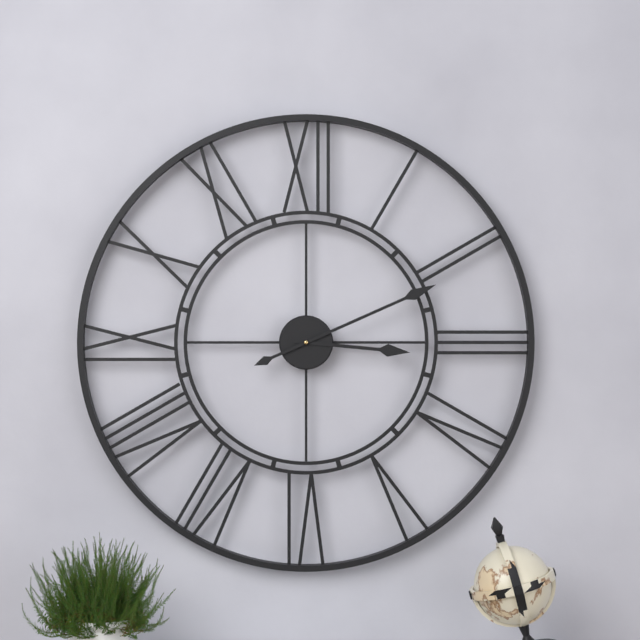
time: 3:11
